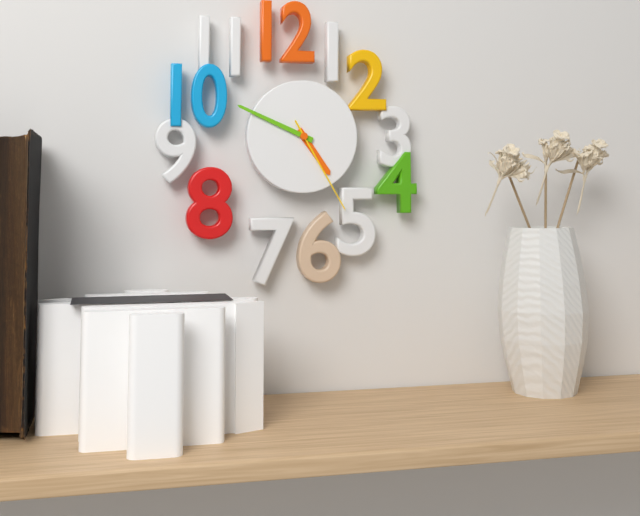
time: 4:49:25
